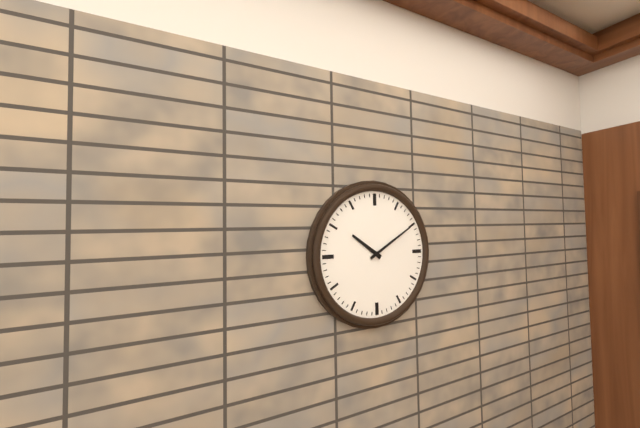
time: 10:10
